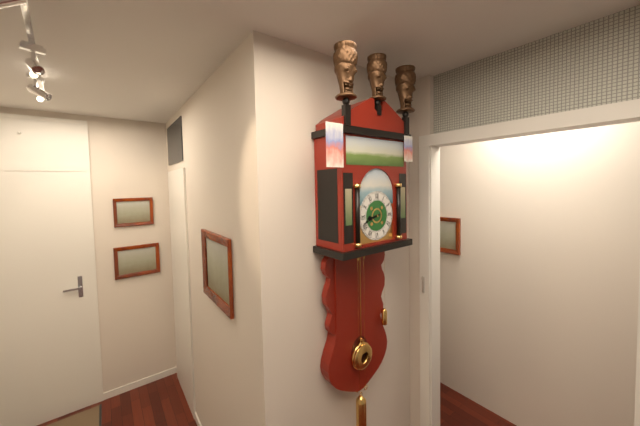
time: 8:42
